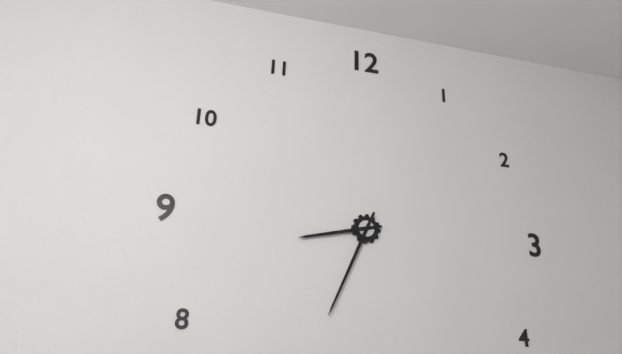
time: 8:34
